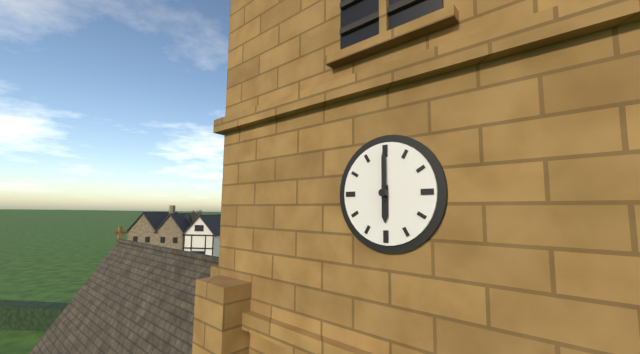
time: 6:00
